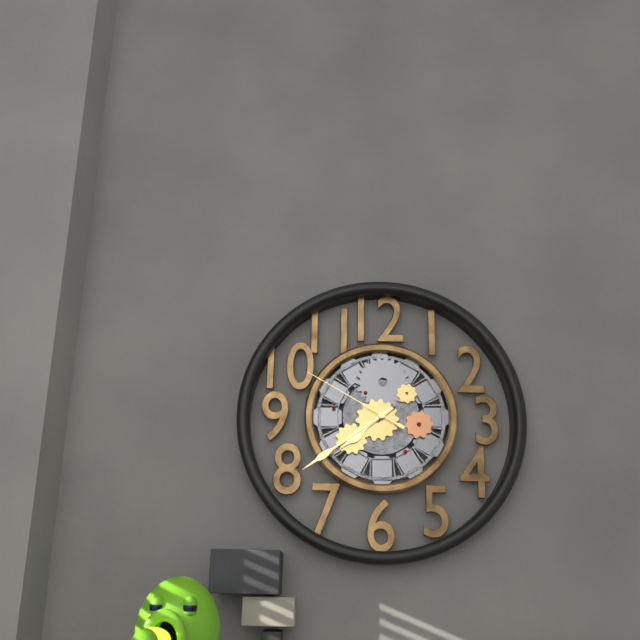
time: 7:39:50
